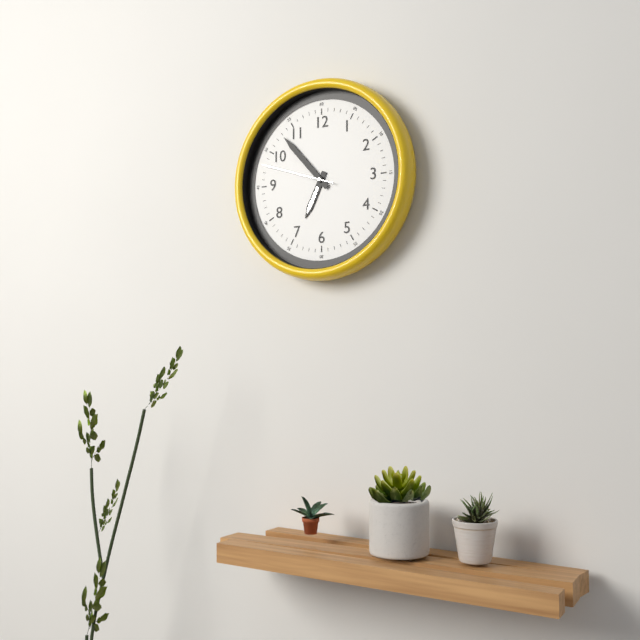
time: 6:53:48
